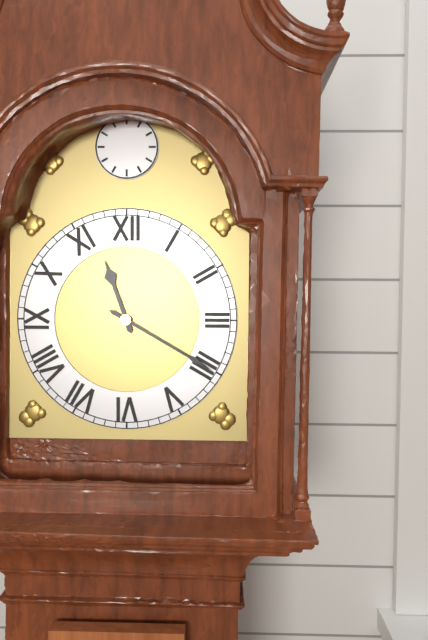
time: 11:20
